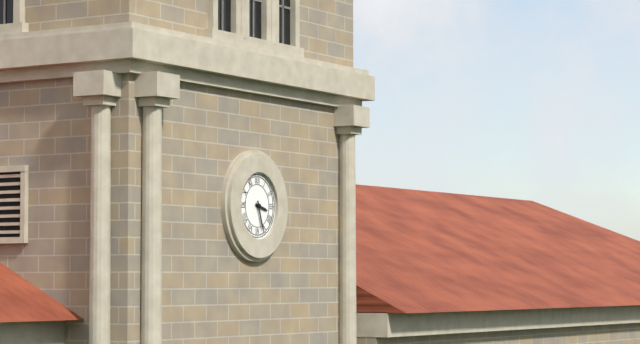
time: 3:27
